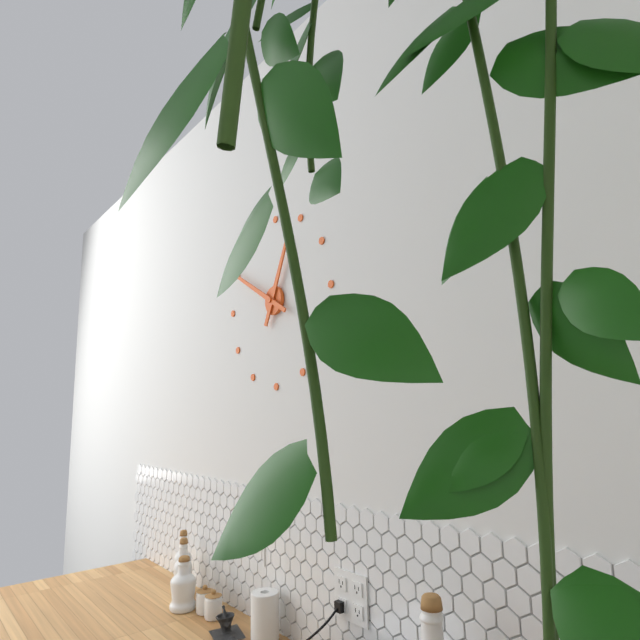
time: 12:50
